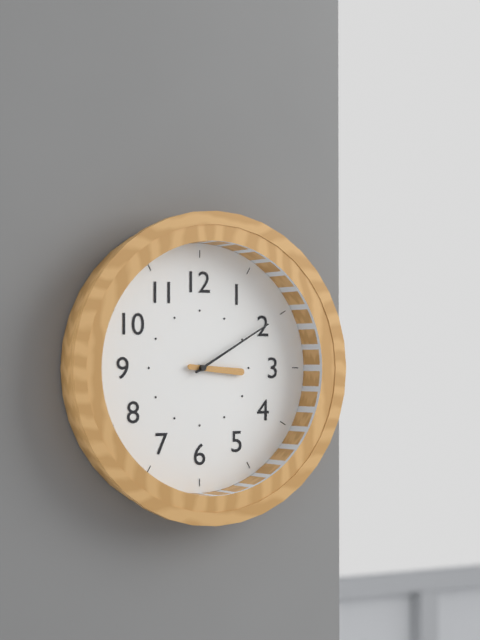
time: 3:10
